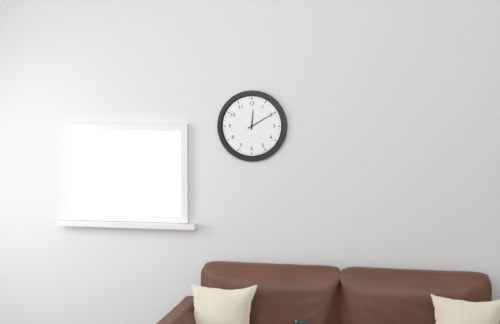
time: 12:10
